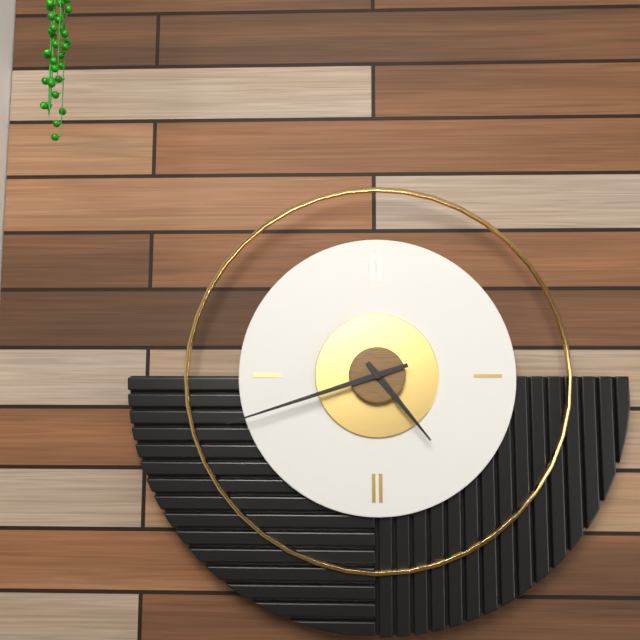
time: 4:42
